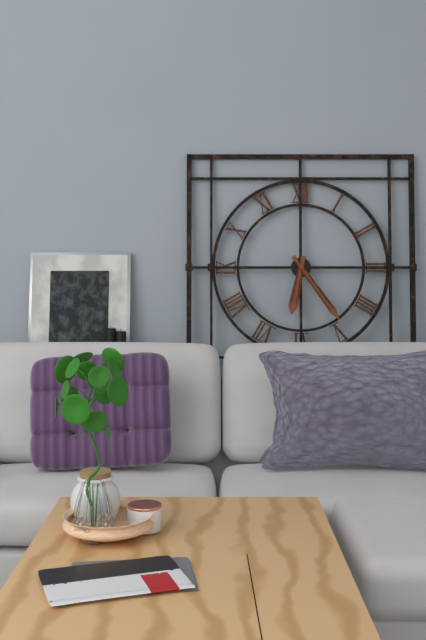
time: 6:24
